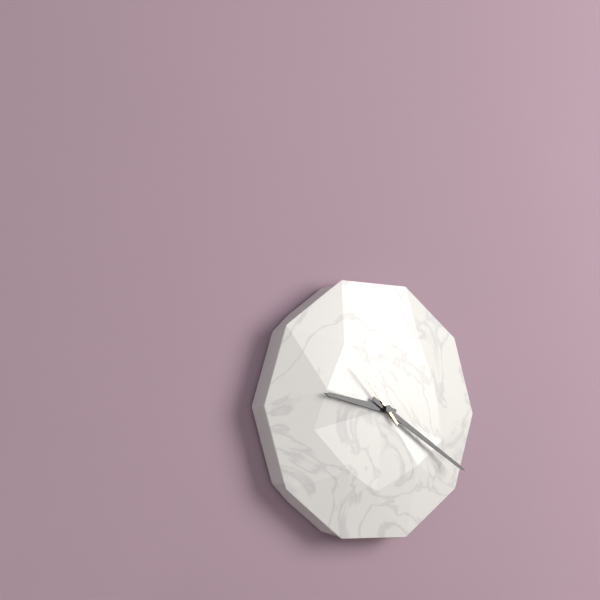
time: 9:20:53
